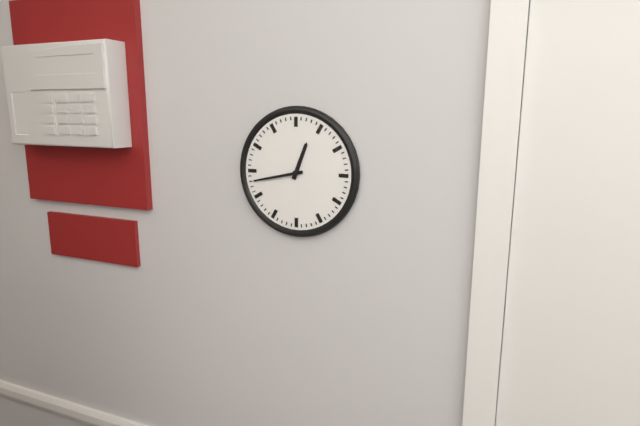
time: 12:43
